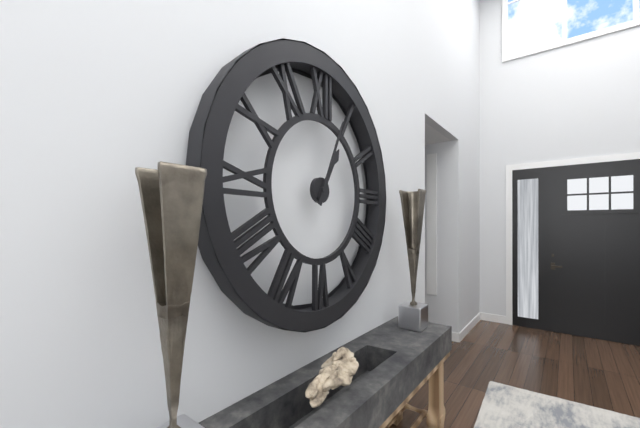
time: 1:04
